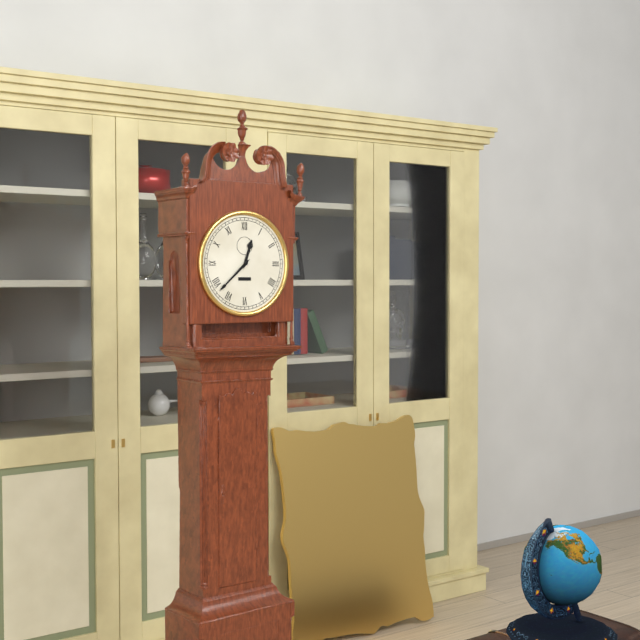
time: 12:38
